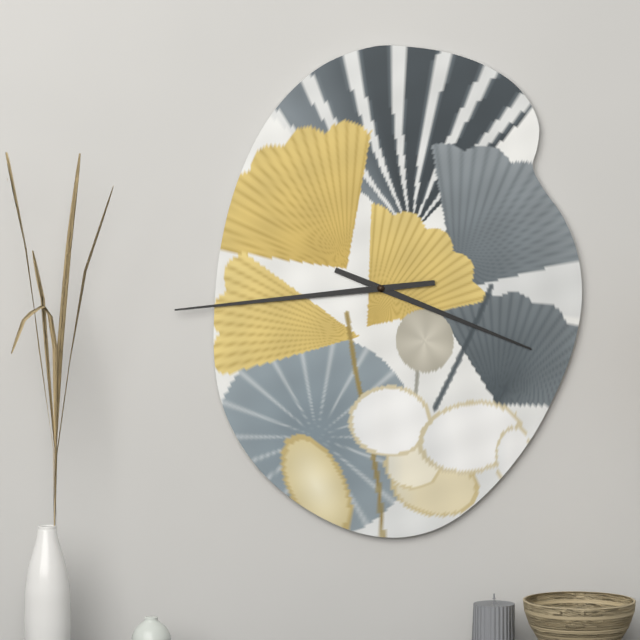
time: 3:44
